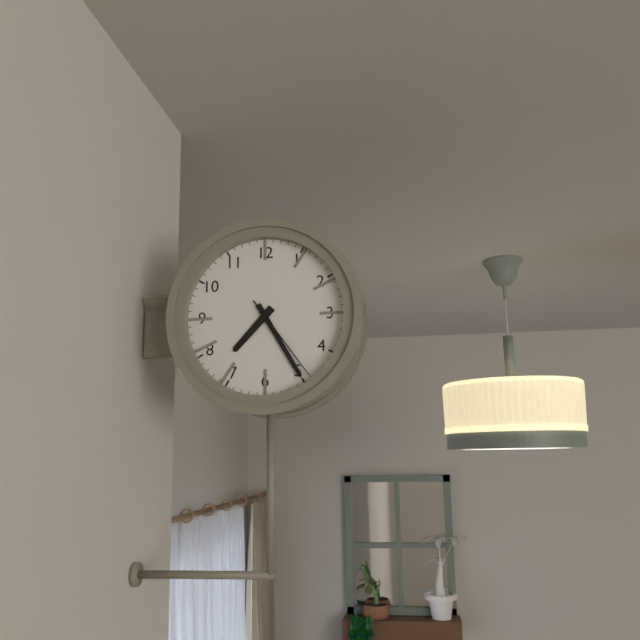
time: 7:25:24
